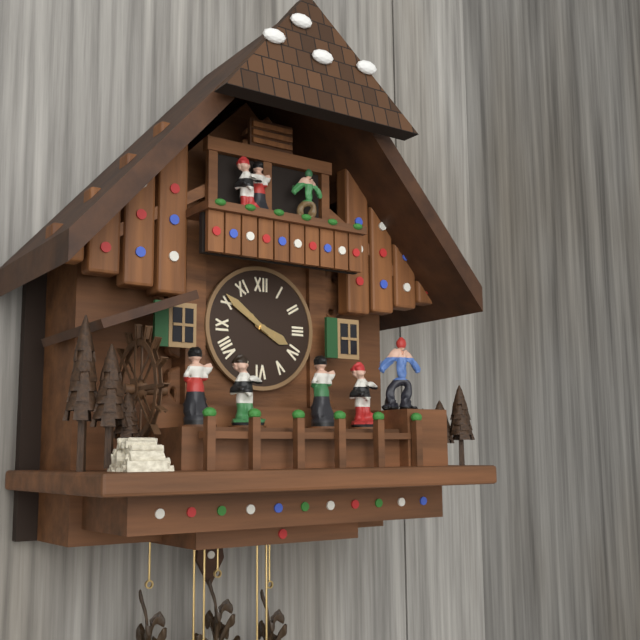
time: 3:51
